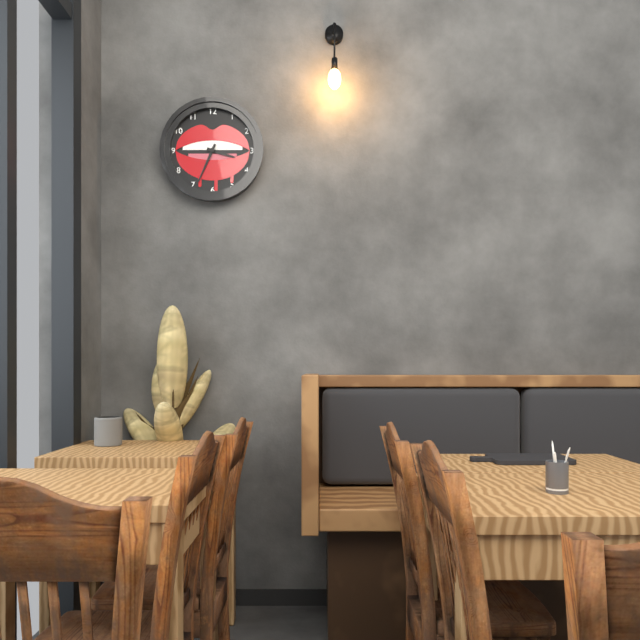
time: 3:34
